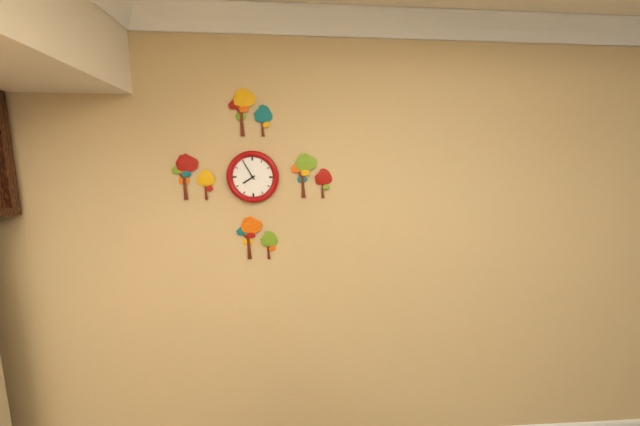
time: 7:55
